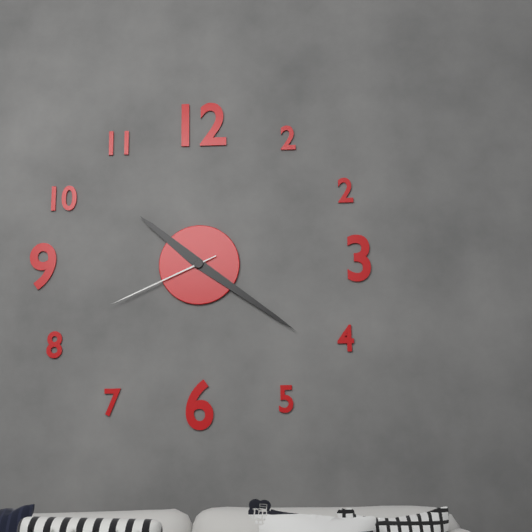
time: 10:21:41
